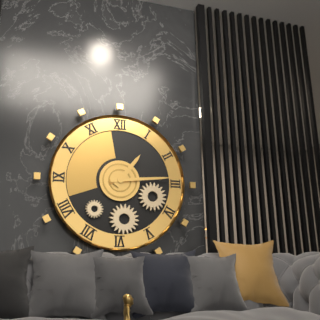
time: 1:14
